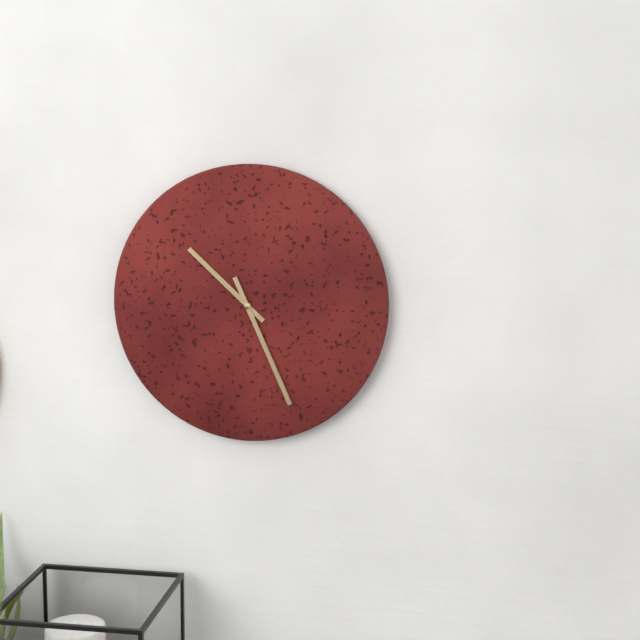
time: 10:26
